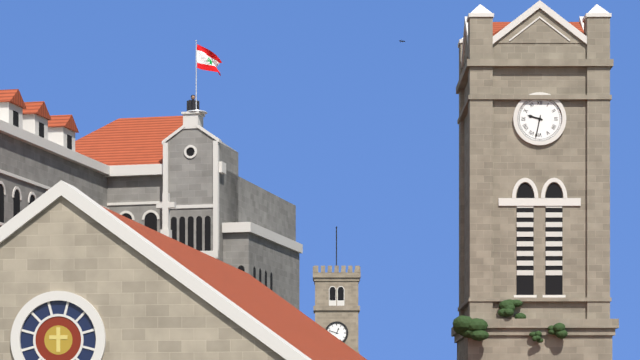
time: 9:32
